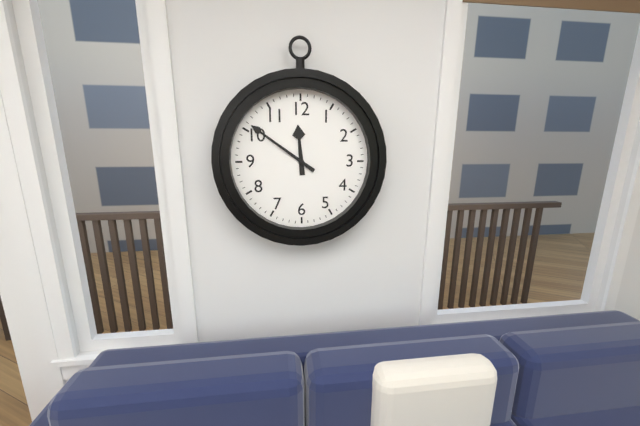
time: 11:51
